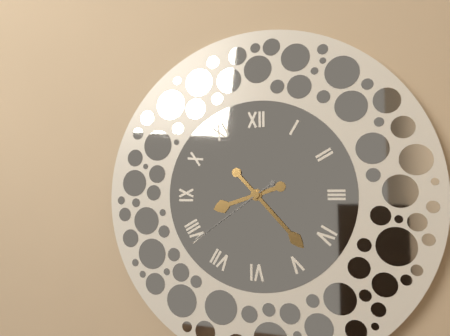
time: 8:23:39
